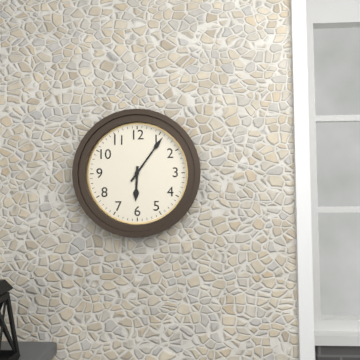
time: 6:06
